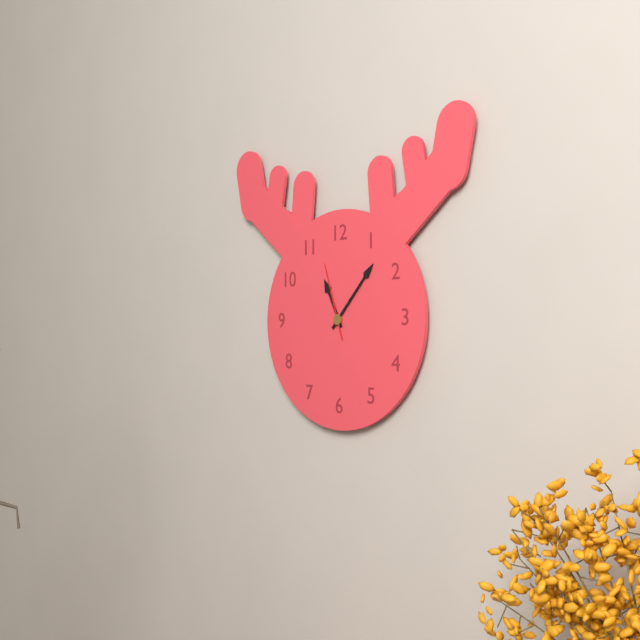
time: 11:07:57
